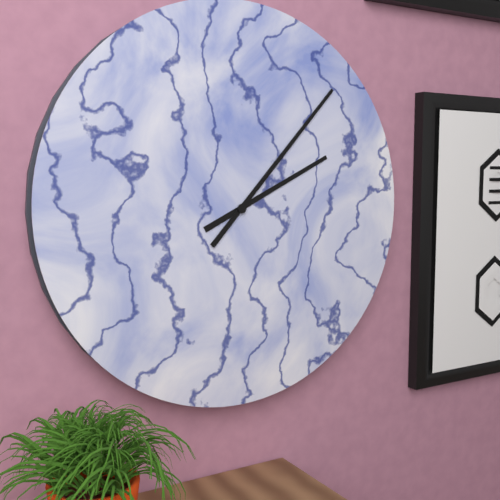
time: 2:07
